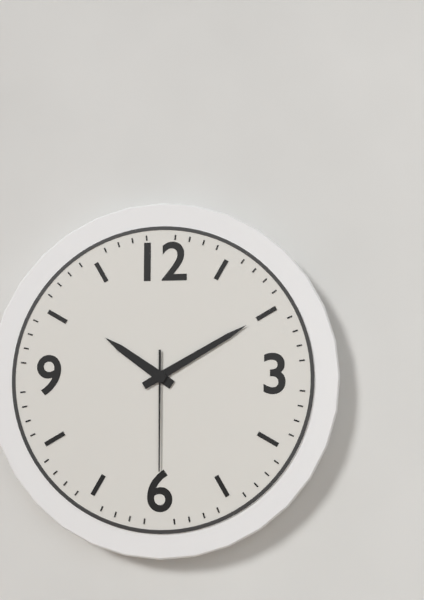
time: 10:10:30
